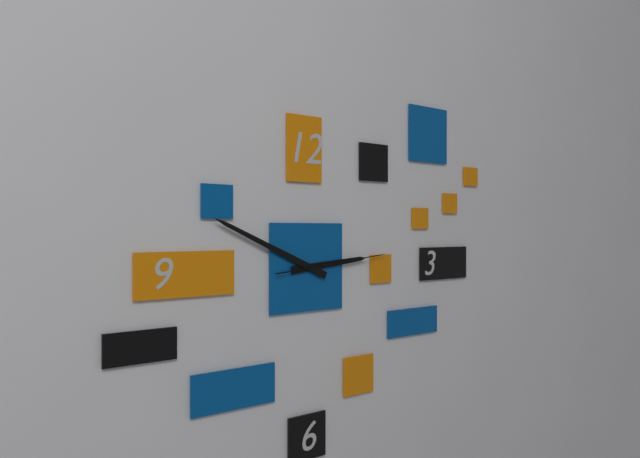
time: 2:49:14
